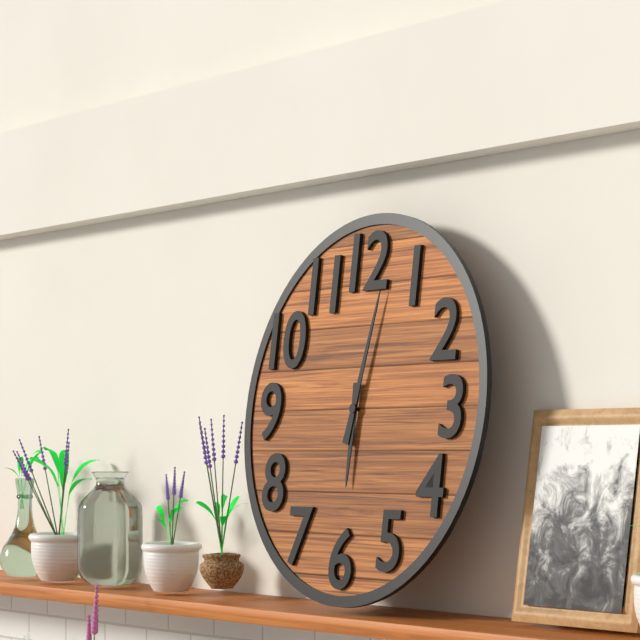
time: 6:02
